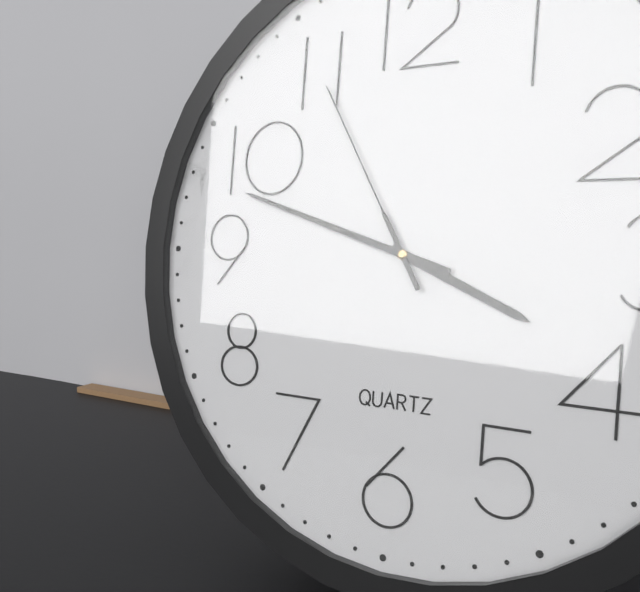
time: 3:48:55
